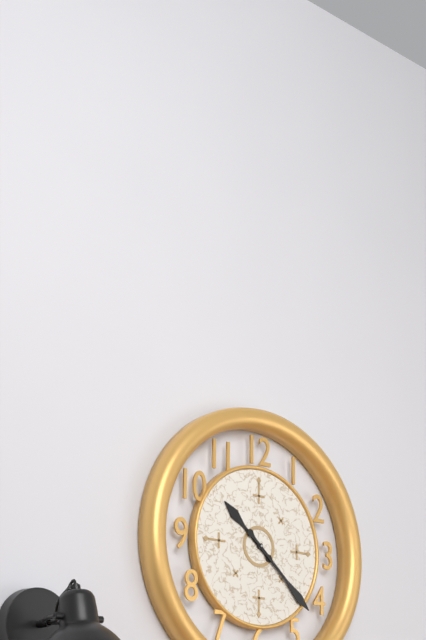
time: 10:22
